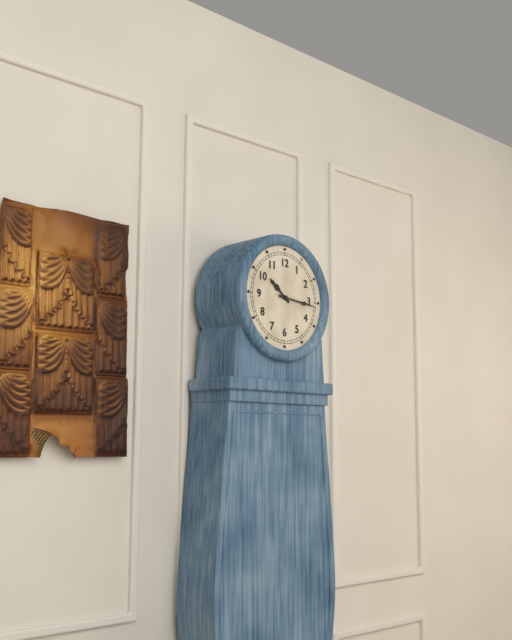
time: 10:16
